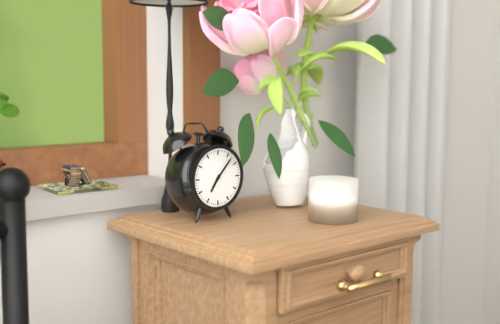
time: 7:07
